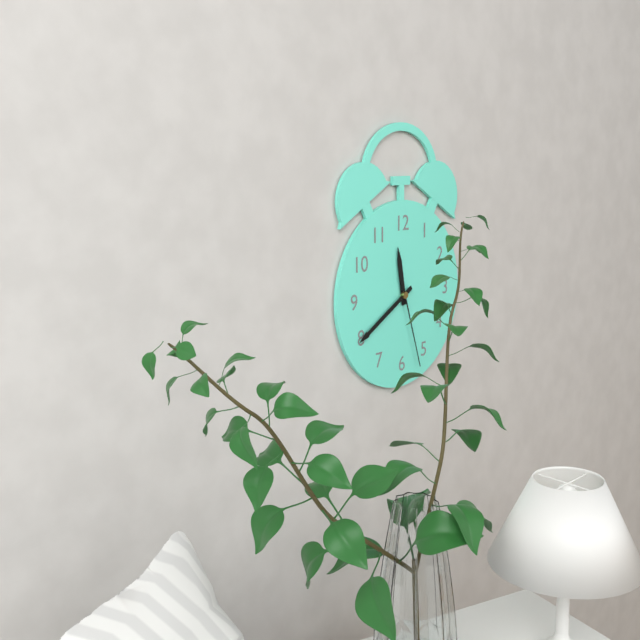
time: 11:40:27
